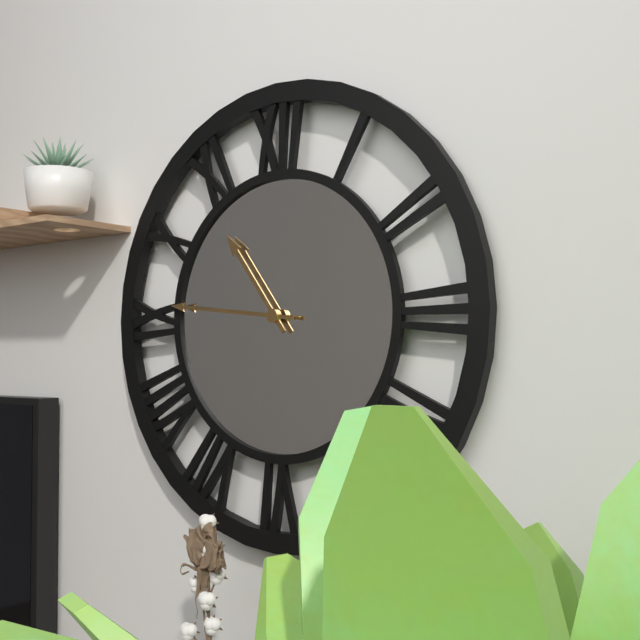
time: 10:46
